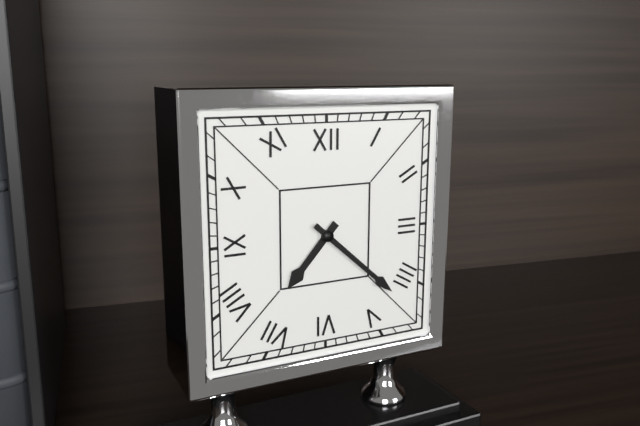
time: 7:22
